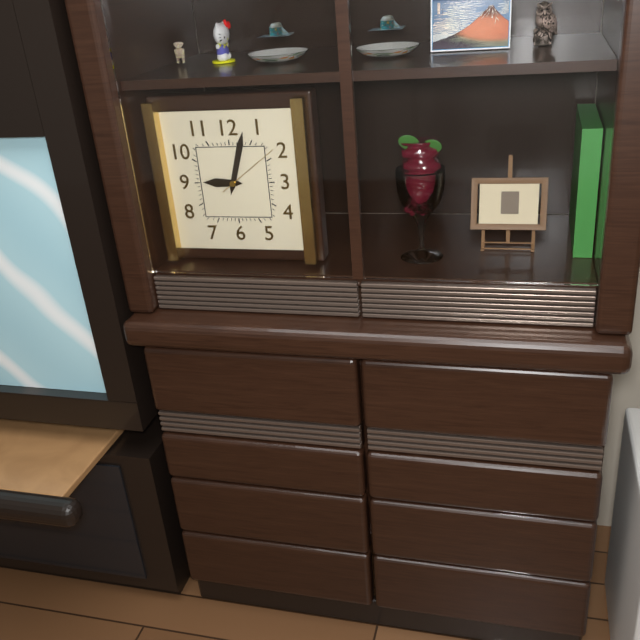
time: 9:03:09
